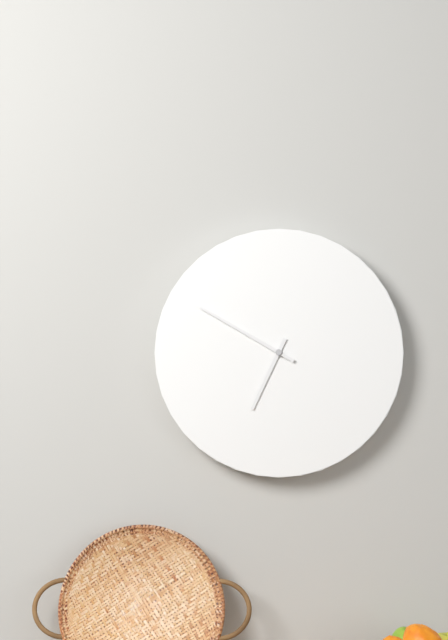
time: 6:50
